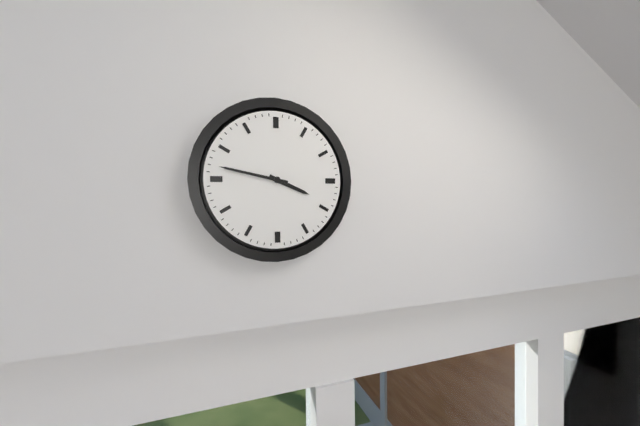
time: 3:47
